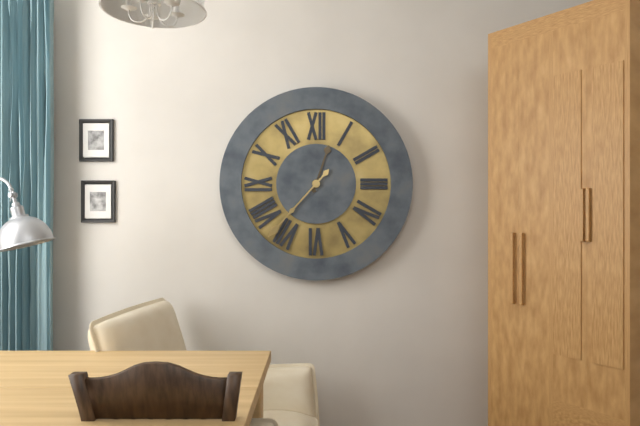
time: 12:37
